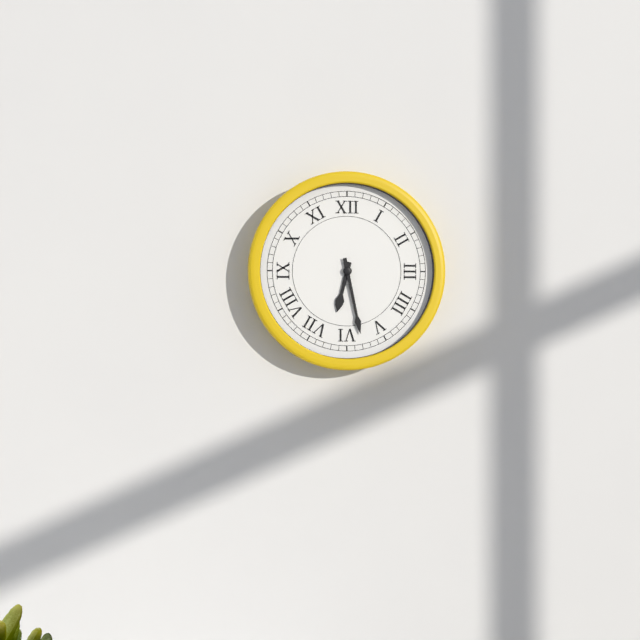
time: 6:28
